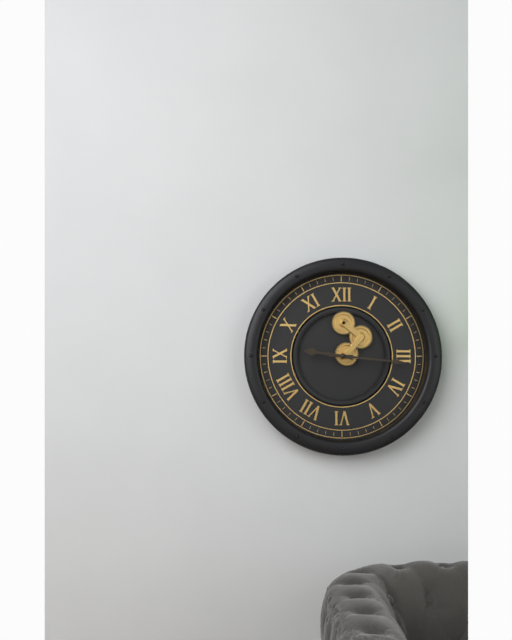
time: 9:16
